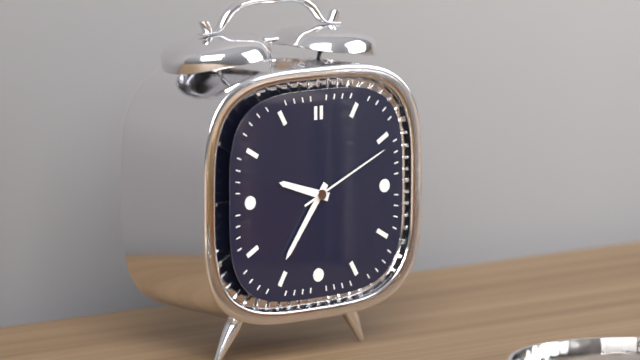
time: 9:36:11
